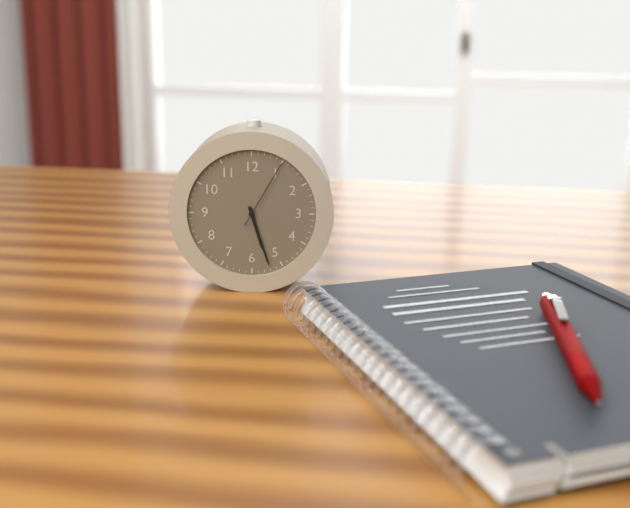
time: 5:27:05
